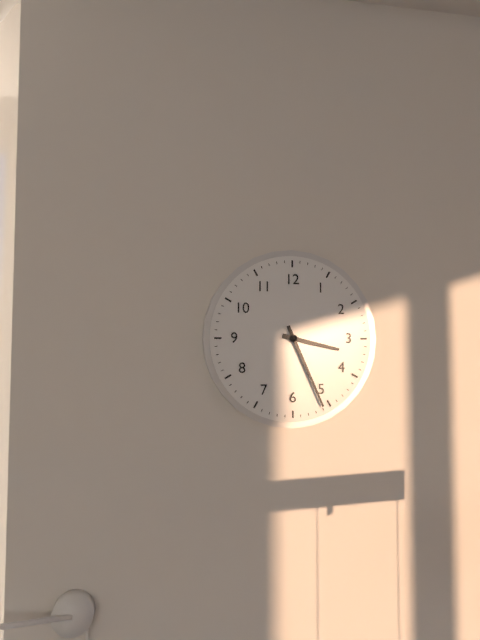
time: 3:26
